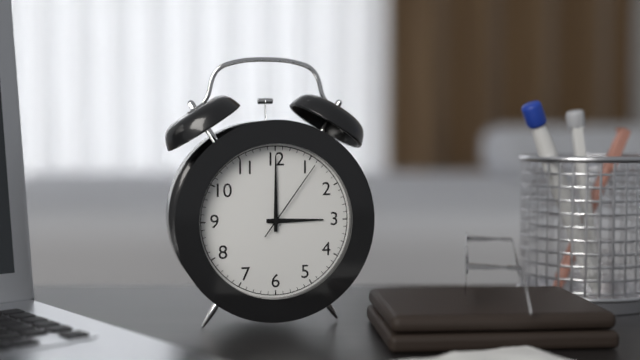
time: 3:00:06
